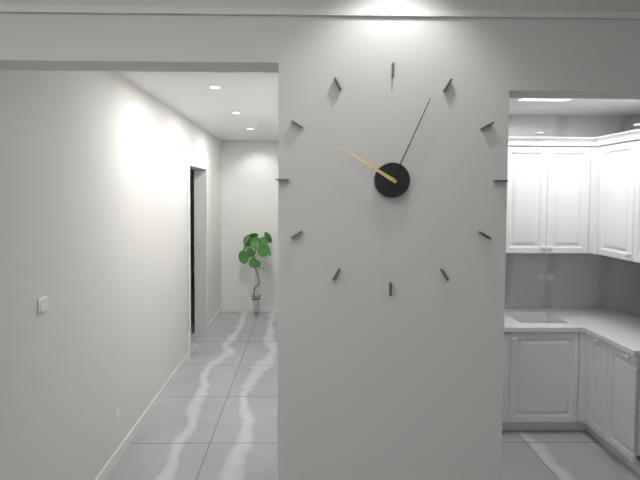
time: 10:04
